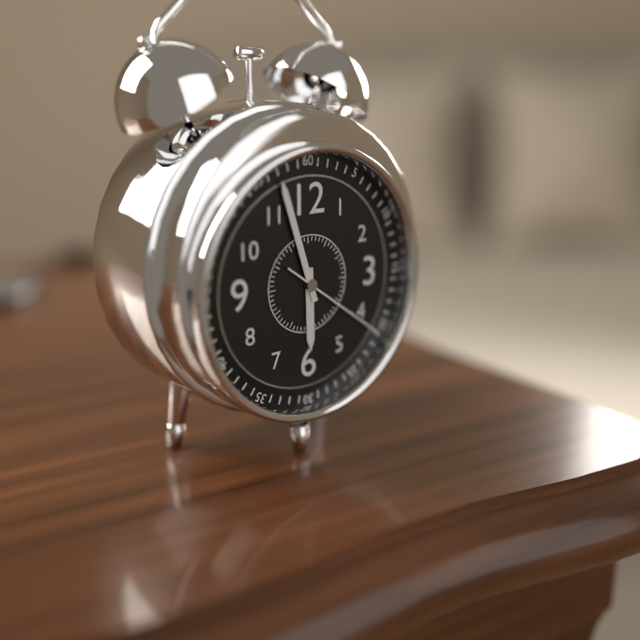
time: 5:57:21
